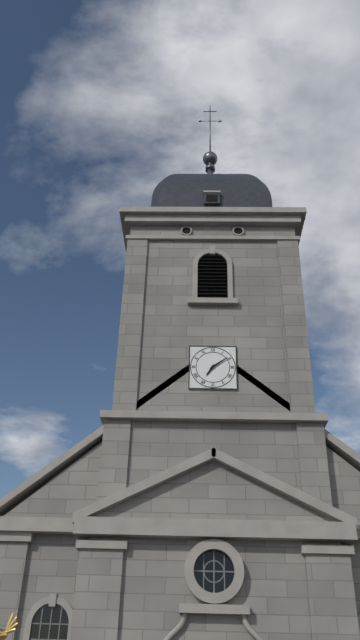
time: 7:09
